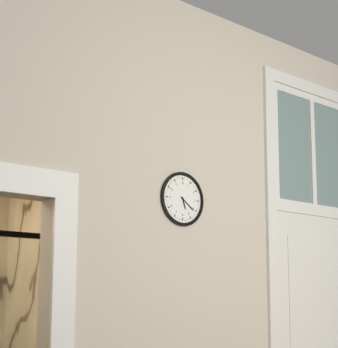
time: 5:21
